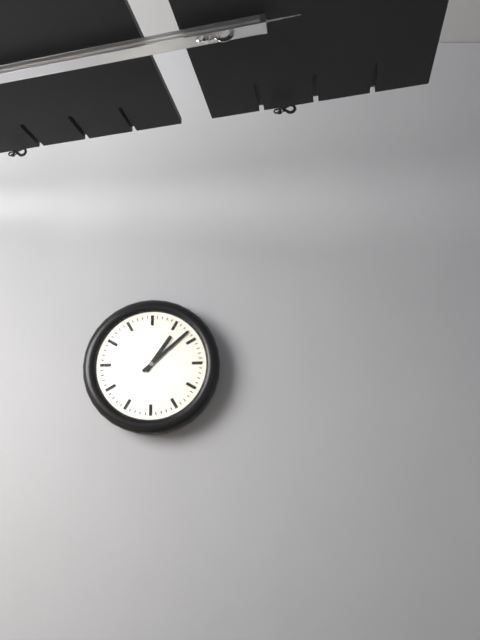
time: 1:08
